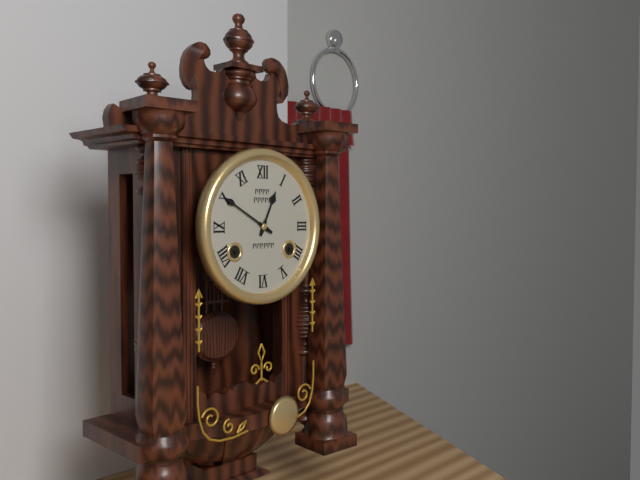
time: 12:50
